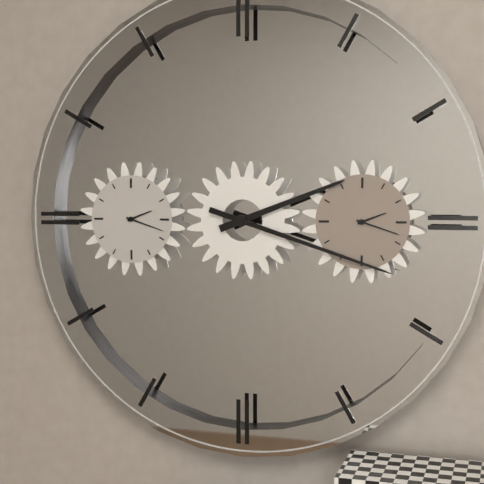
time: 2:18
